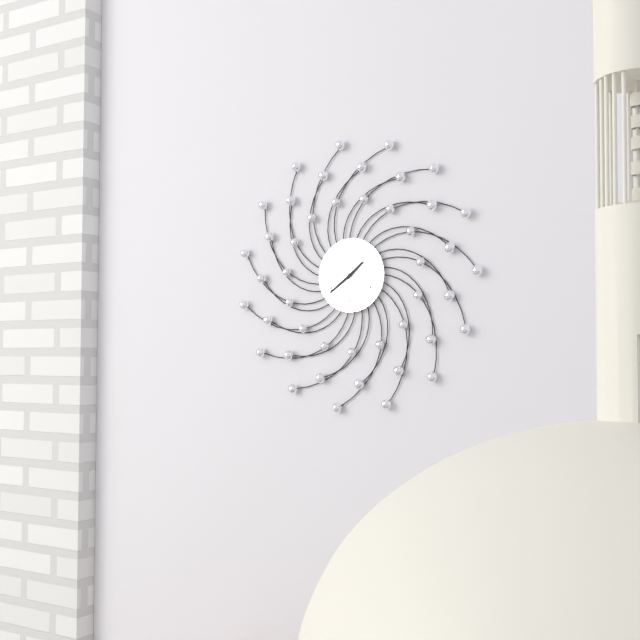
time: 1:39
